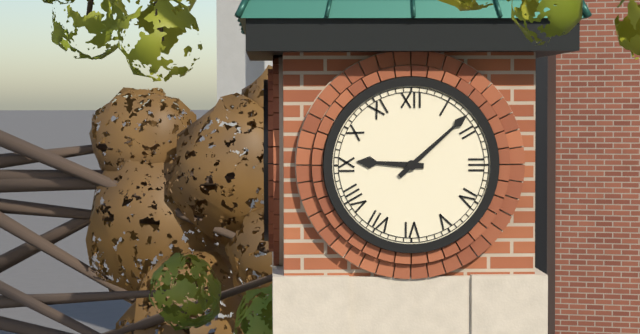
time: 9:08
